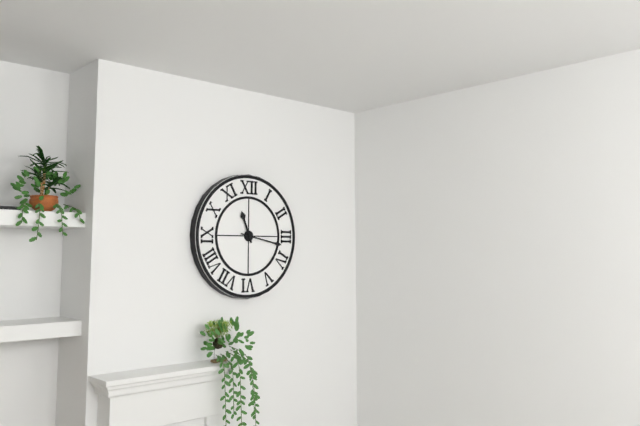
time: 11:17
